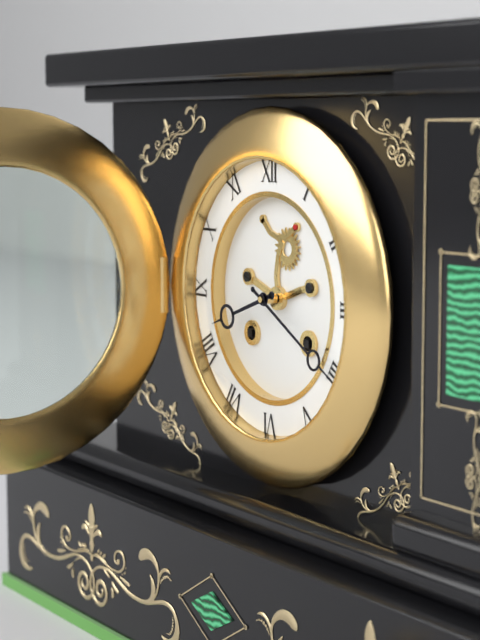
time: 8:20
